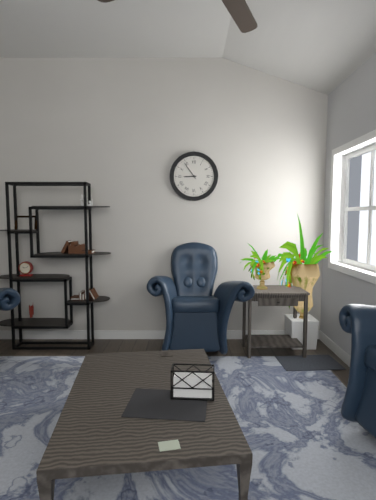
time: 8:54
